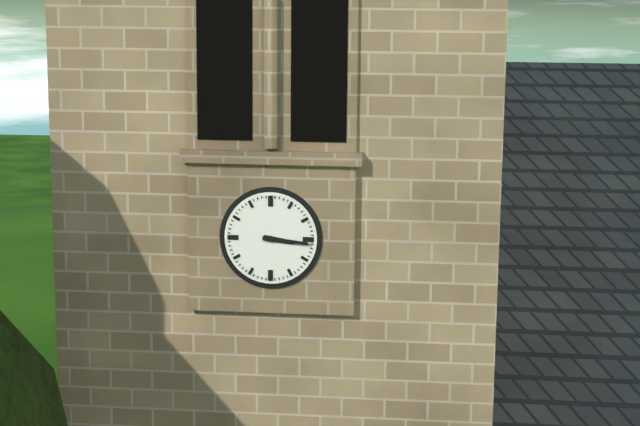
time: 3:16
